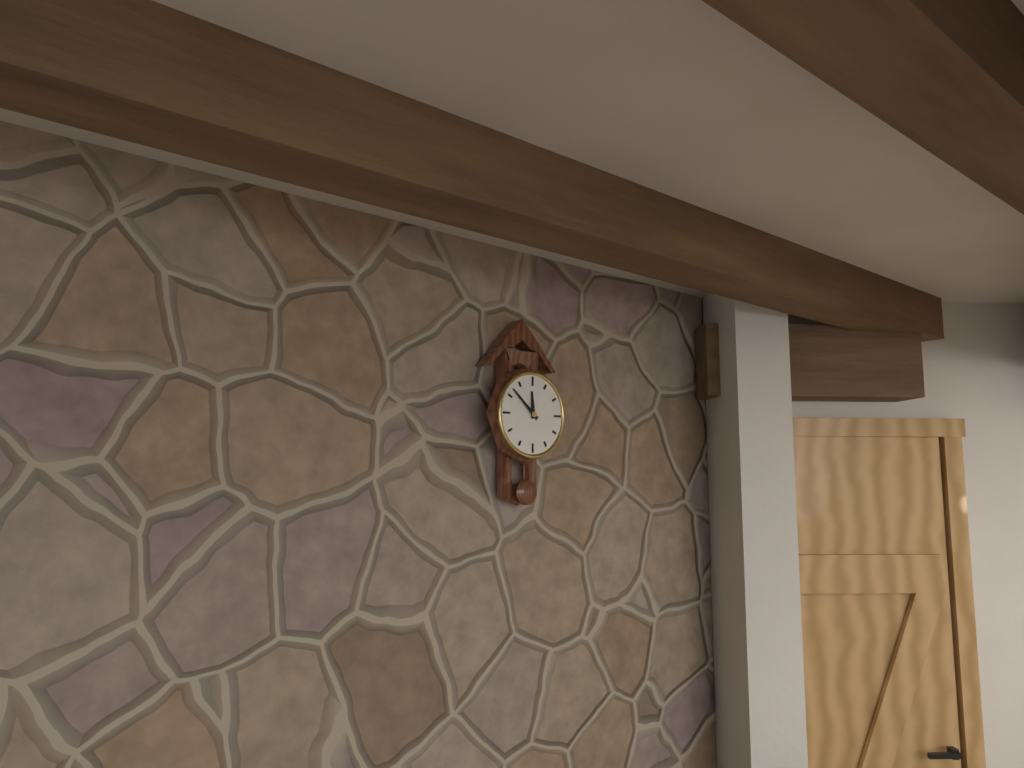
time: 11:52
